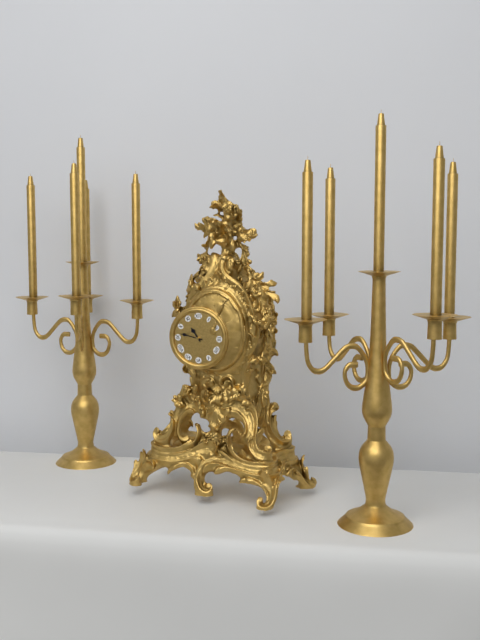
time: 10:47
